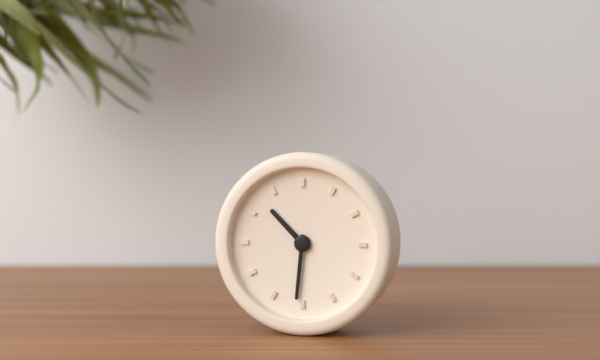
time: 10:31
